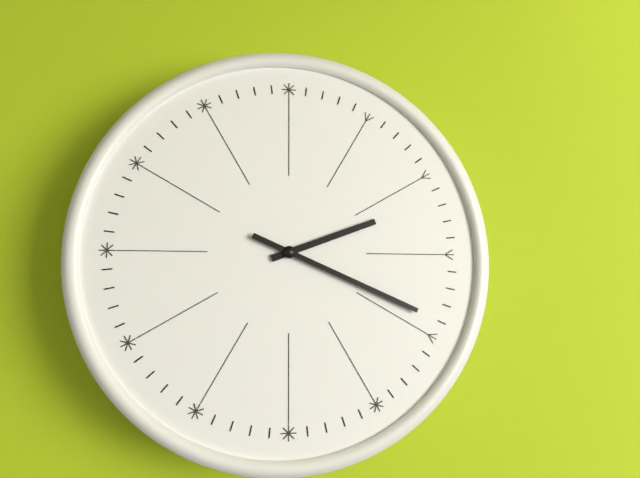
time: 2:19
